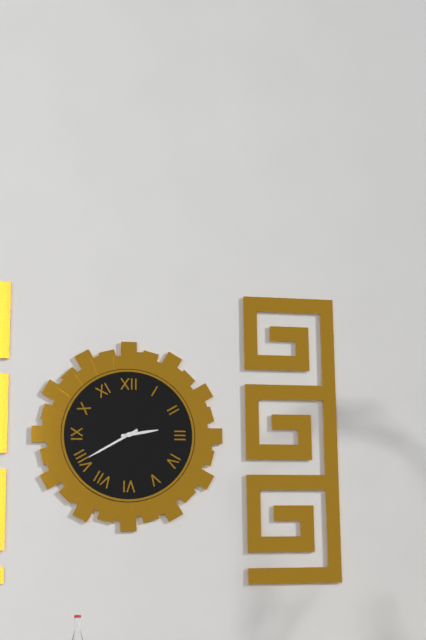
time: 2:40
